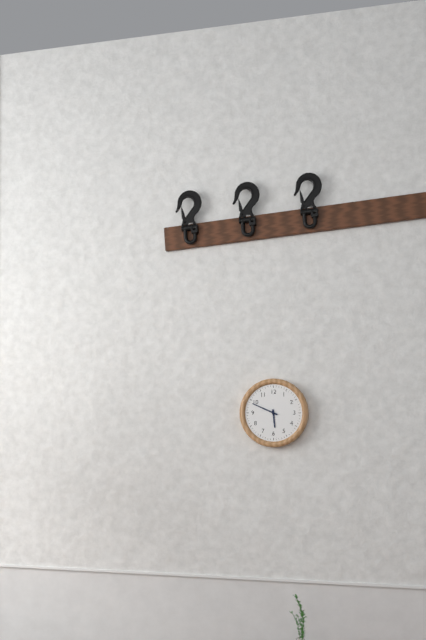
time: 5:49
